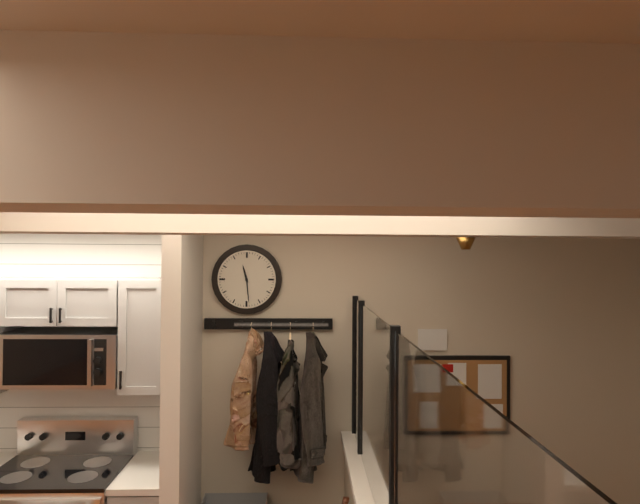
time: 11:29
